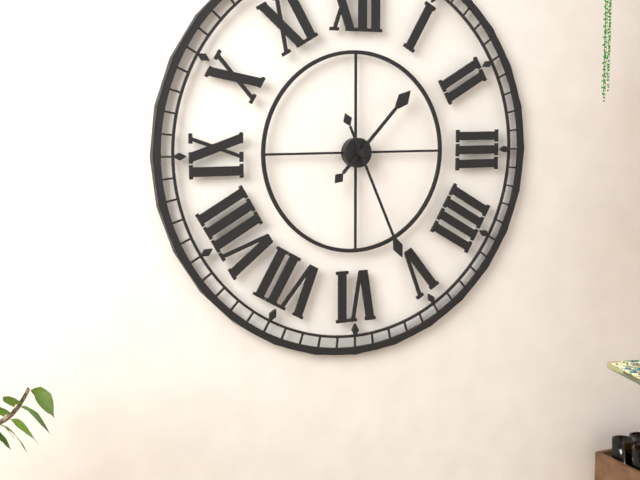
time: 1:26
